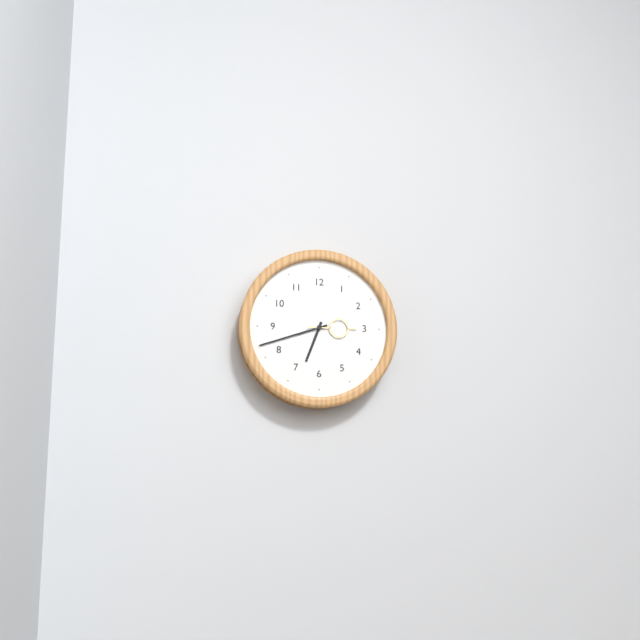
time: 6:42
